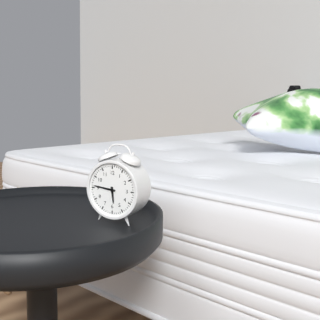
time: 5:46
